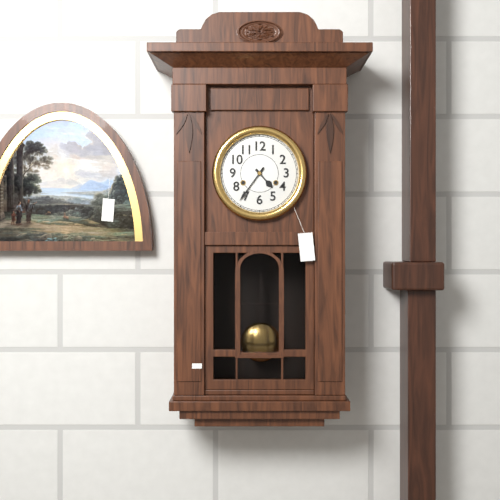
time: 4:36
